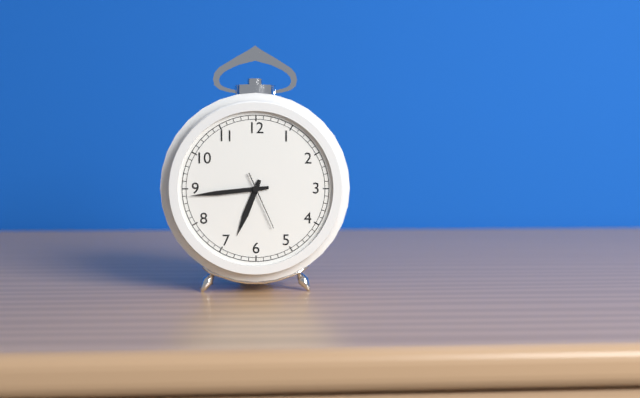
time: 6:44:26
